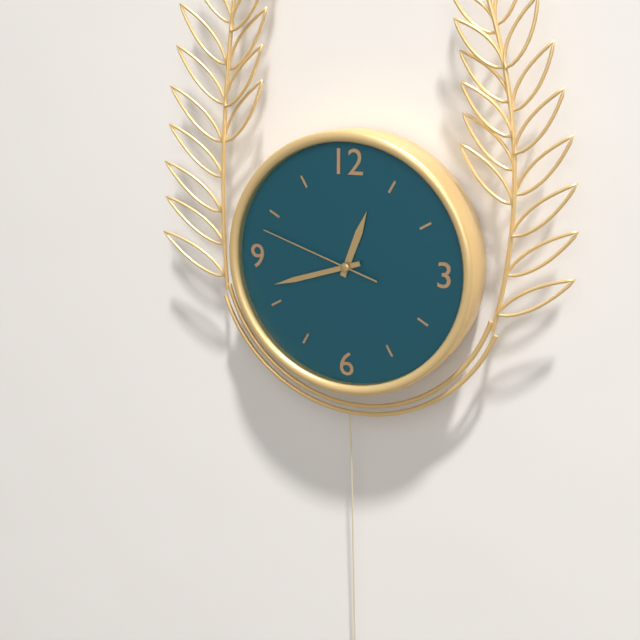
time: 12:42:48
